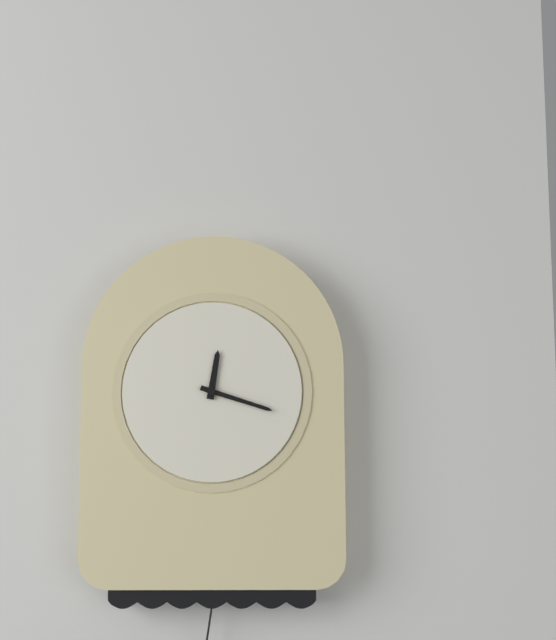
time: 12:18
